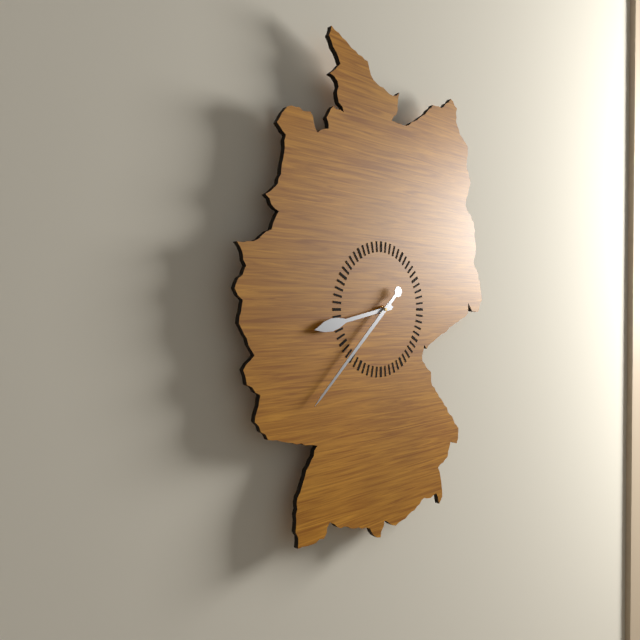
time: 8:38
